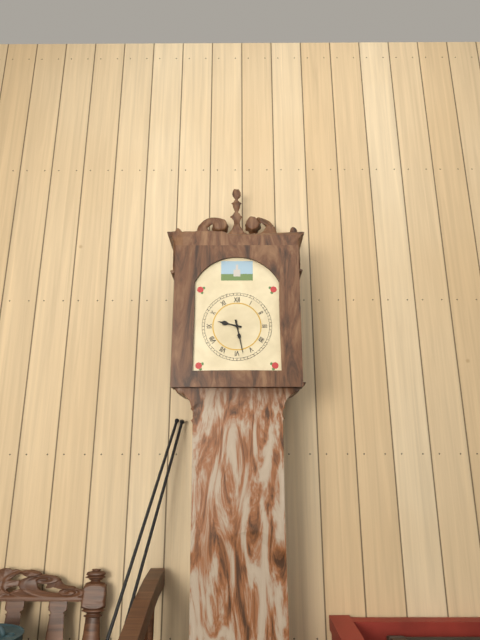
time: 9:28
